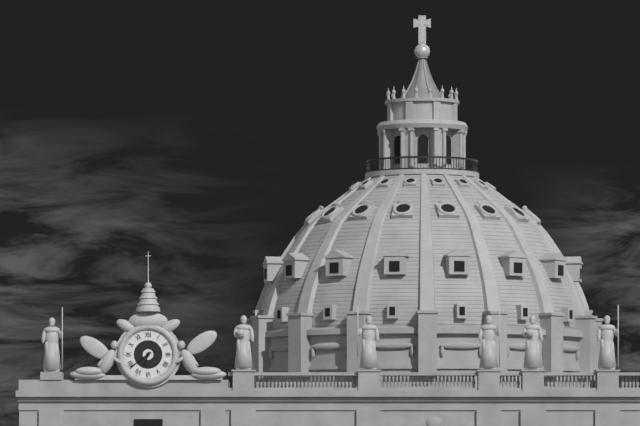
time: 6:39
